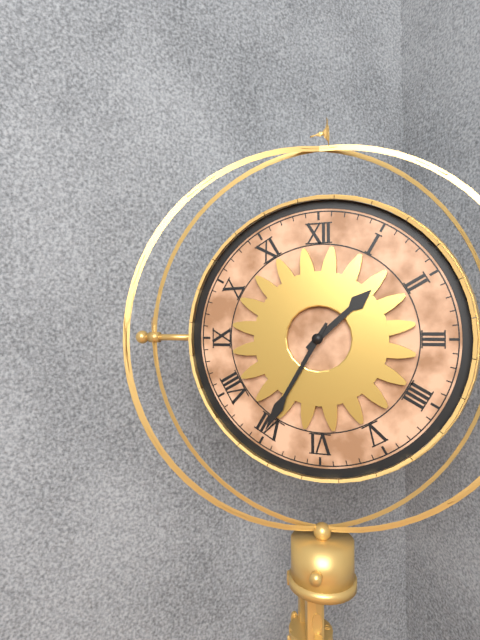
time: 1:35
